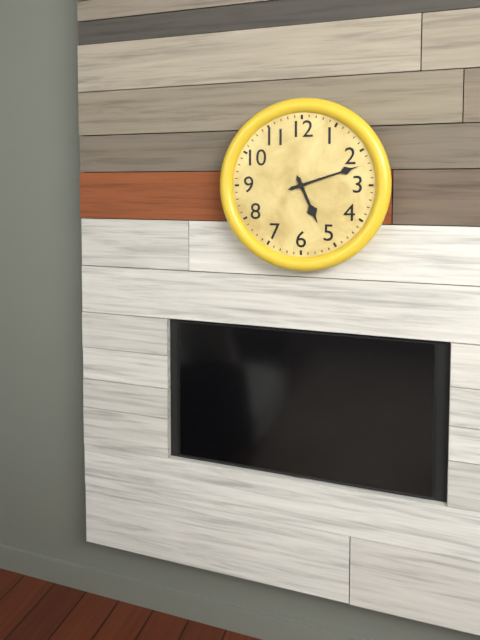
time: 5:12
